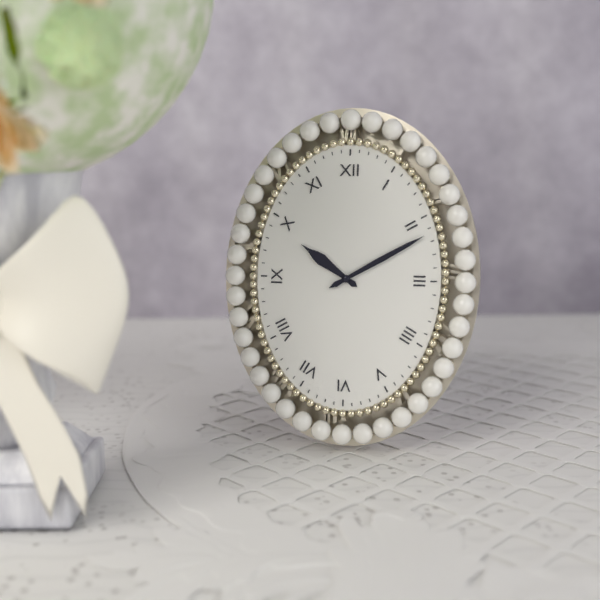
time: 10:10
